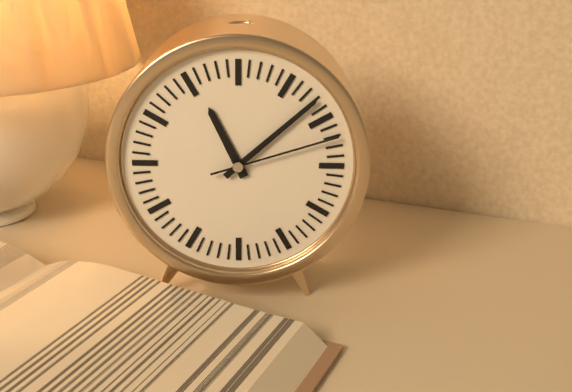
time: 11:08:12
